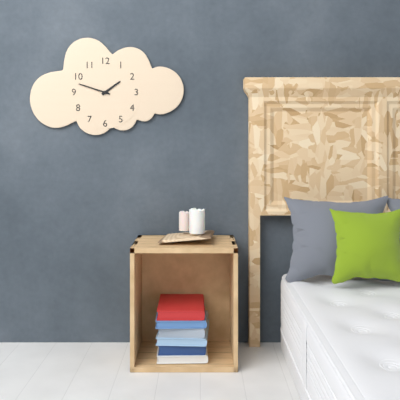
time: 1:48
